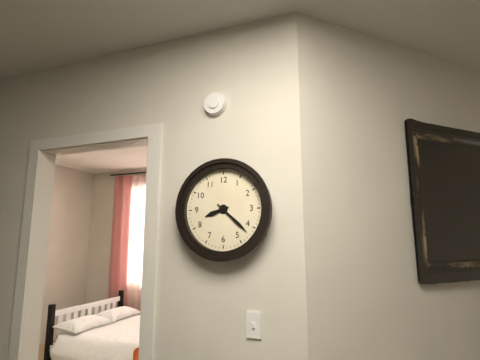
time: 8:22
